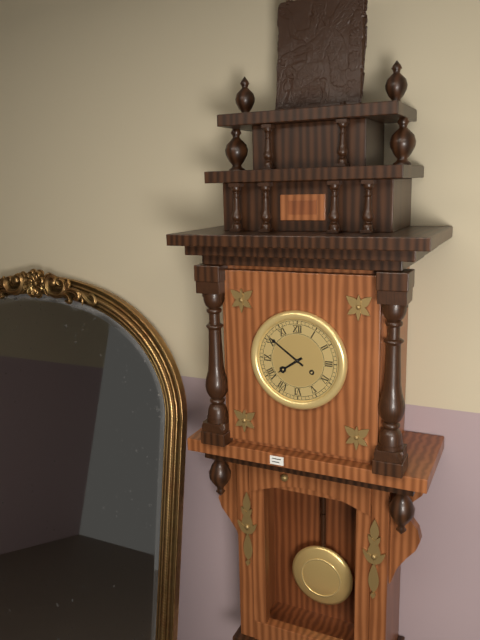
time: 7:51
